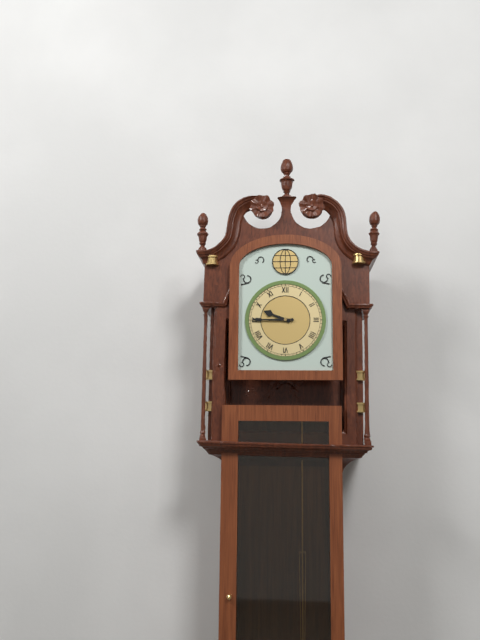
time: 9:45
